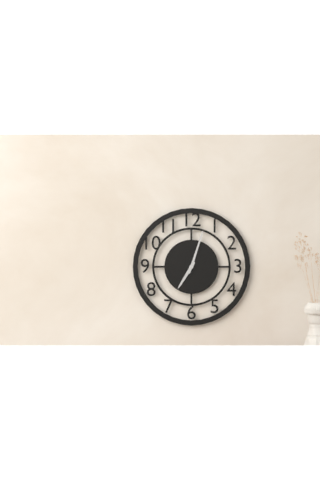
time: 7:03
